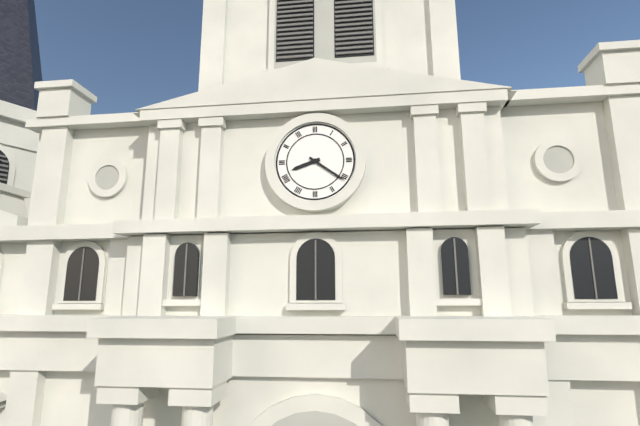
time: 8:21
